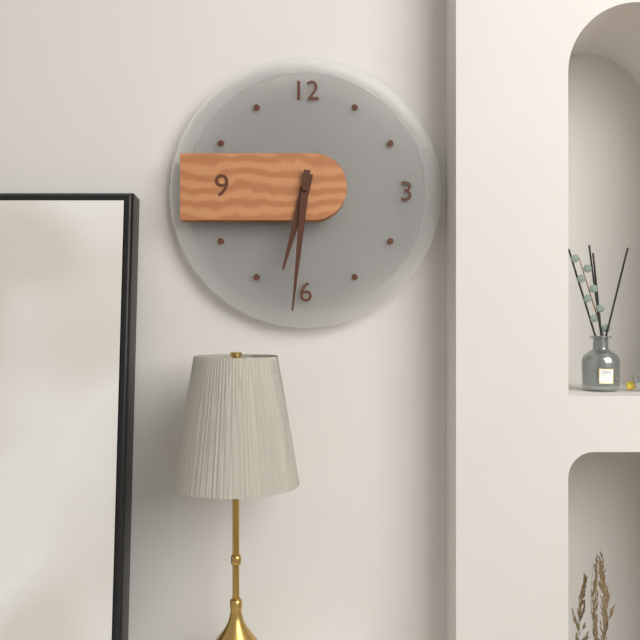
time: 6:31
